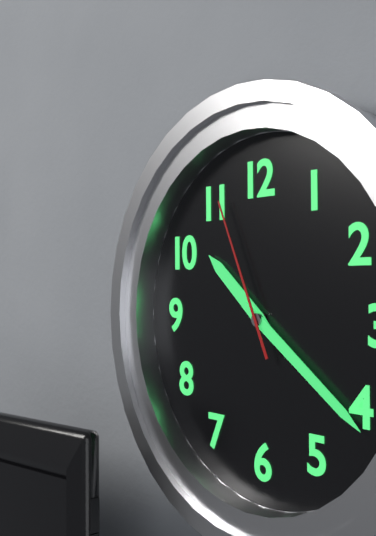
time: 10:21:56
